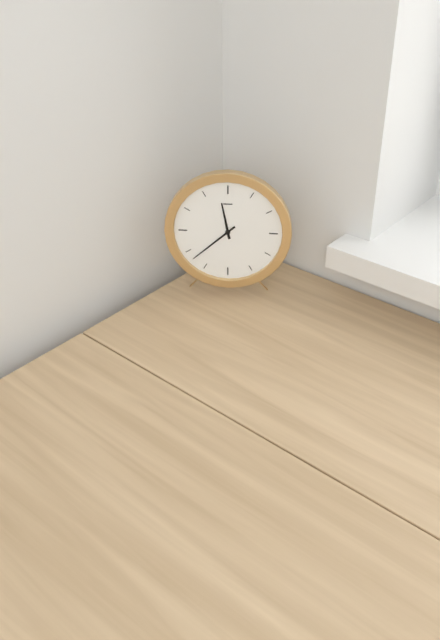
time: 11:38
